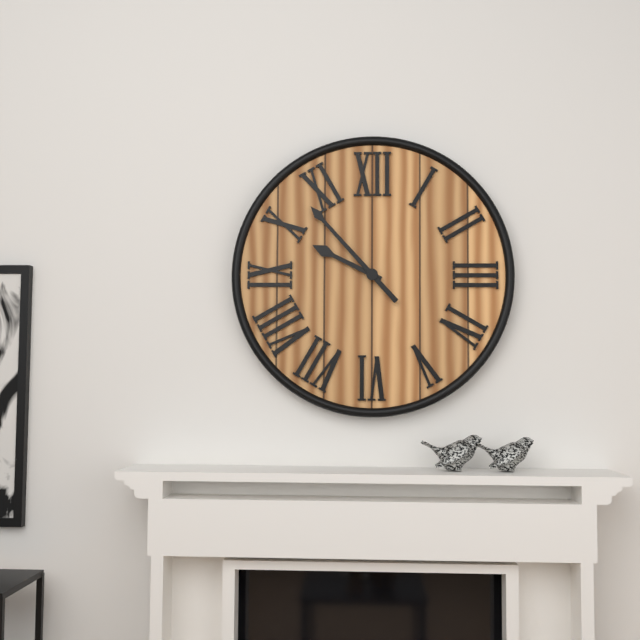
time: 9:53
